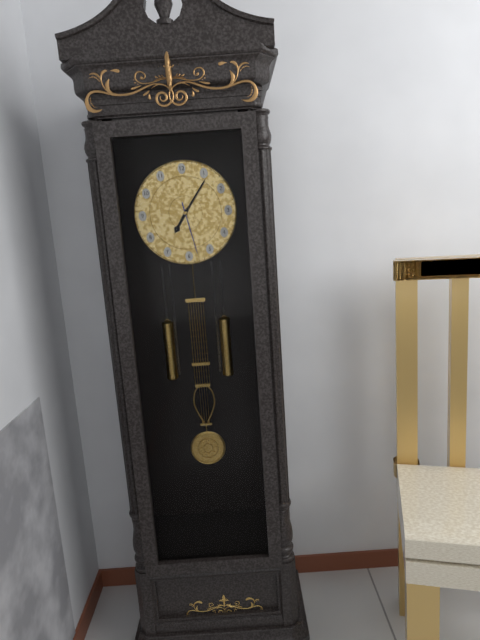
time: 7:06:28
